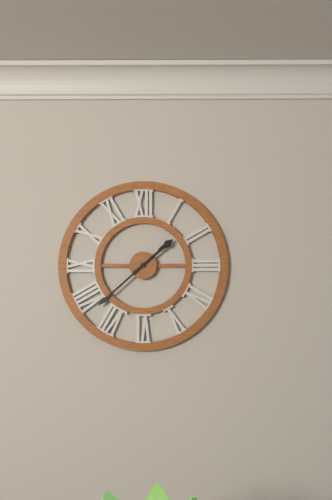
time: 1:38
